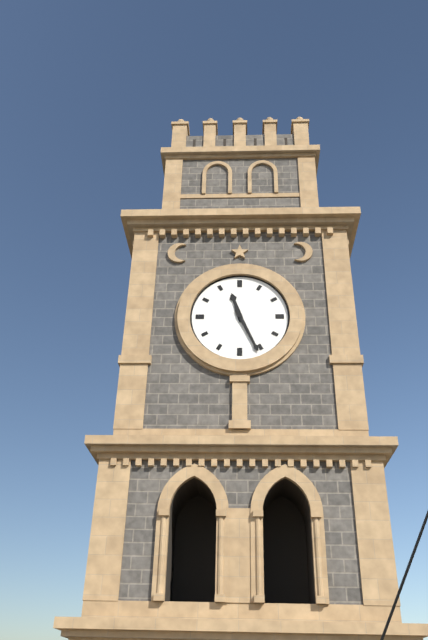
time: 11:26
